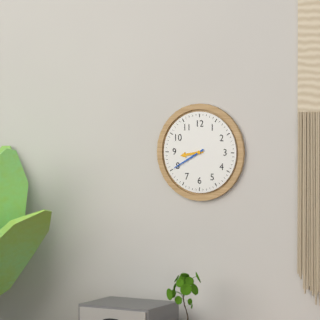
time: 8:40
